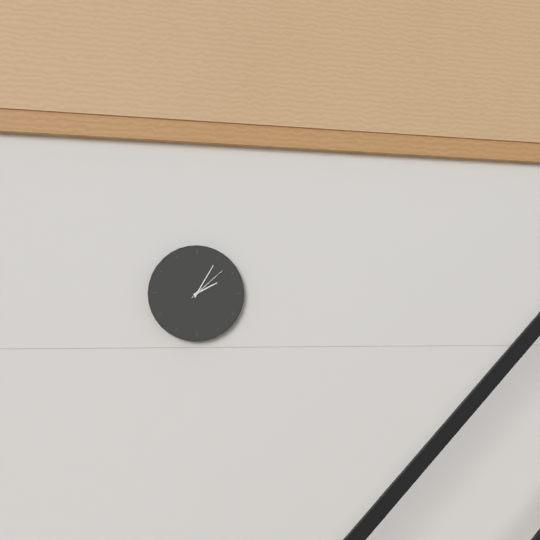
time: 2:05
